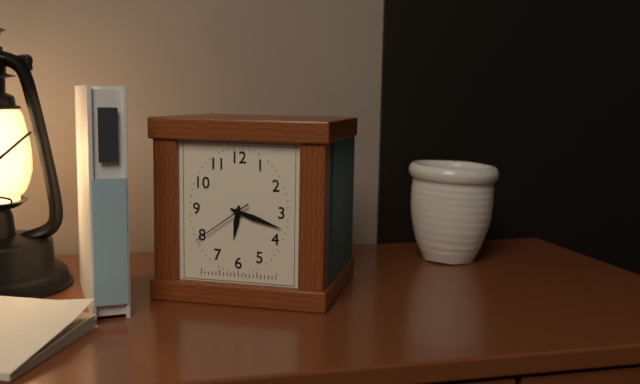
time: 6:18:39
